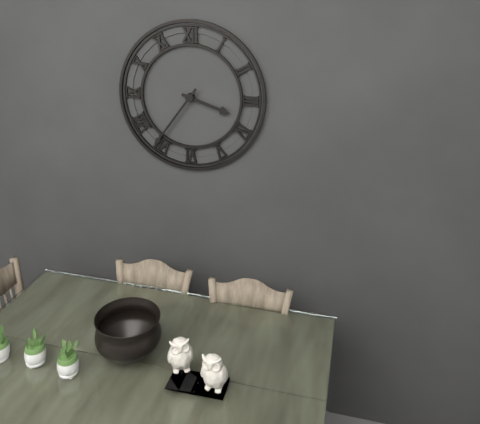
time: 3:36
